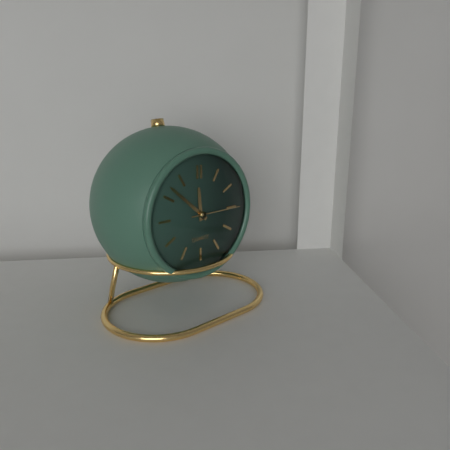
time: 11:52
